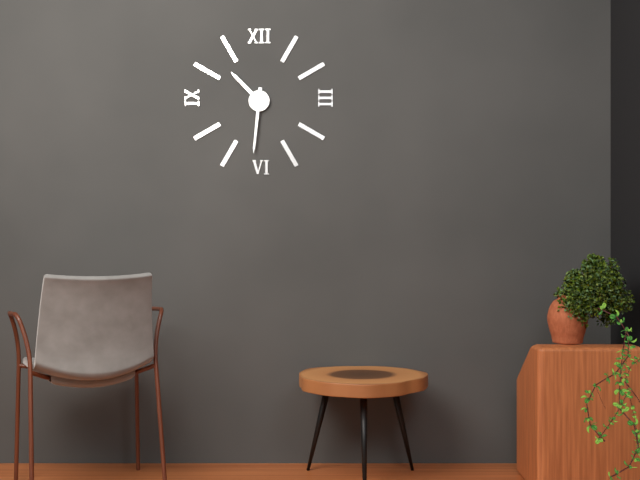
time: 10:31
